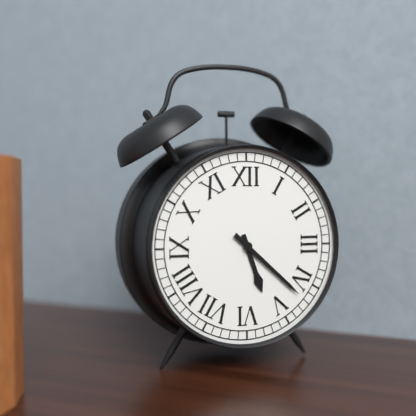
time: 5:22
